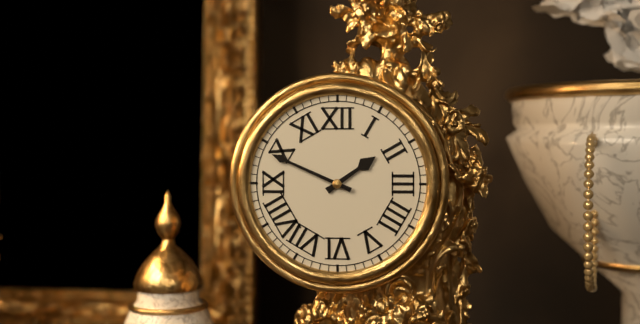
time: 1:49
